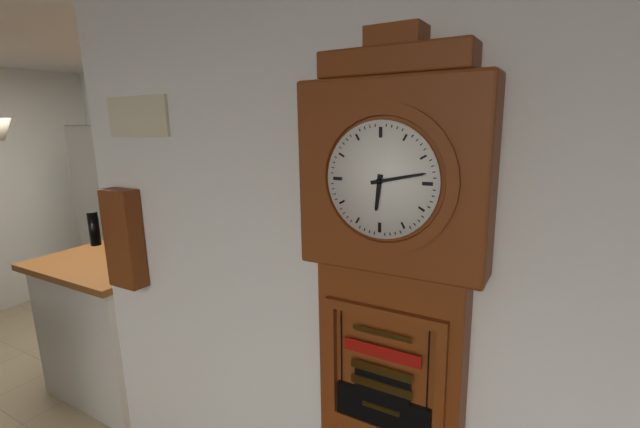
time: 6:13
